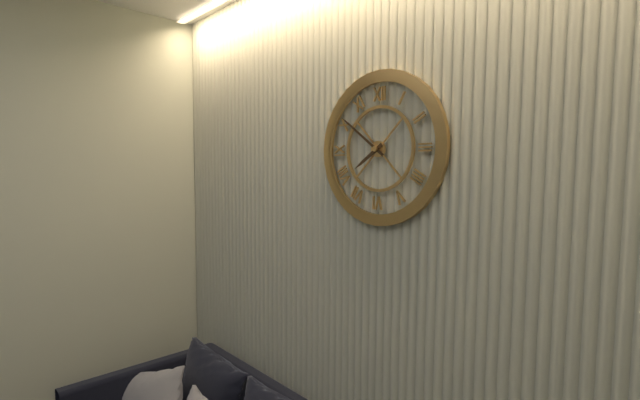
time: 7:51
